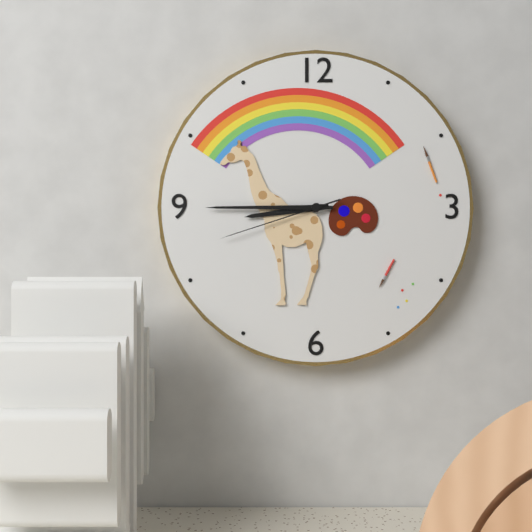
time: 8:45:42
